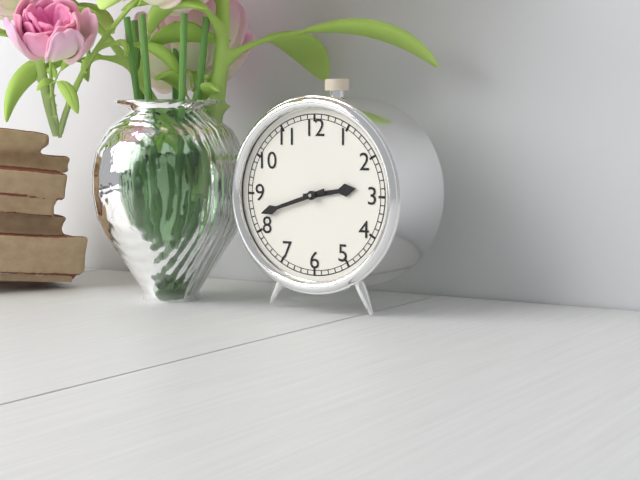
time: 2:42
